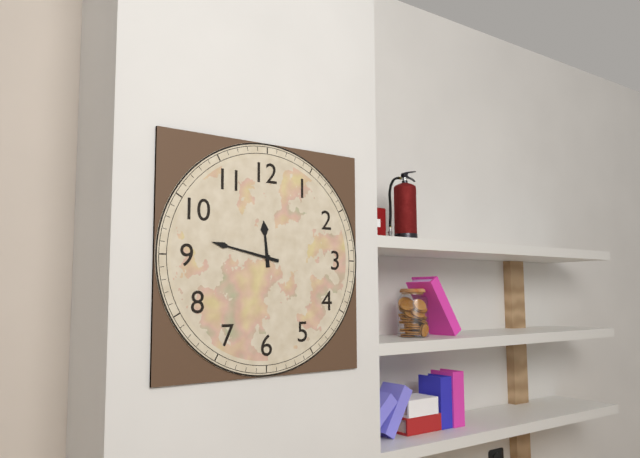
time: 11:47
